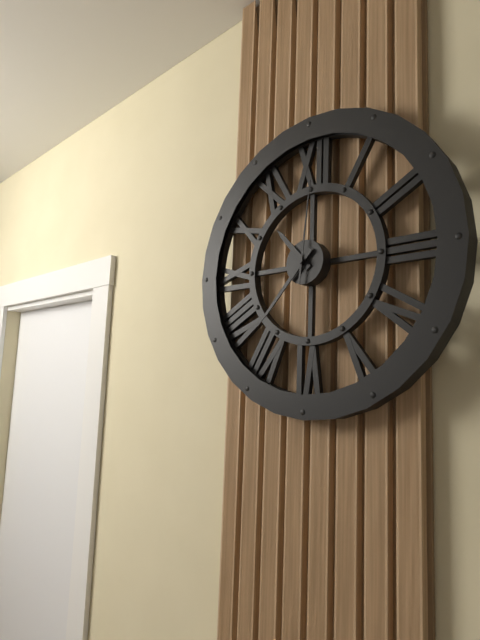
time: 10:37:01
